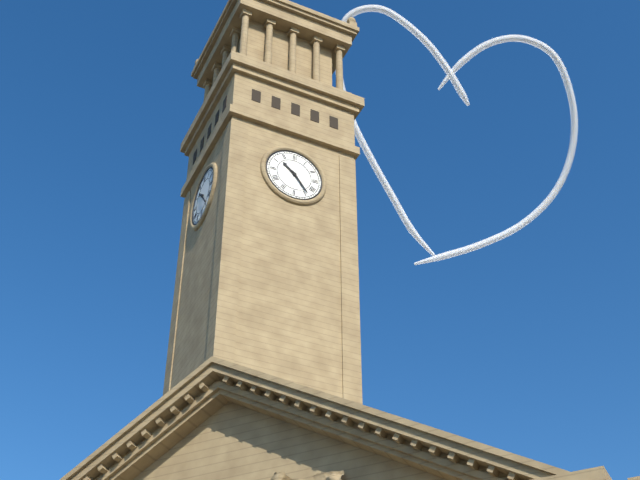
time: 10:24
